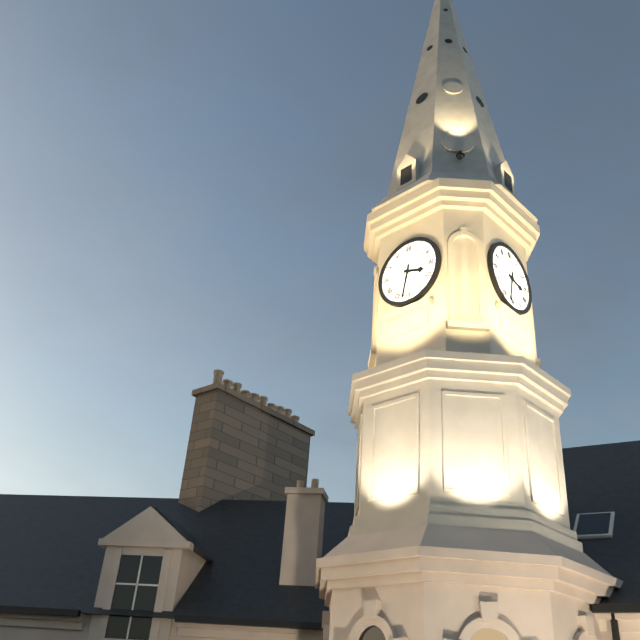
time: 3:32
